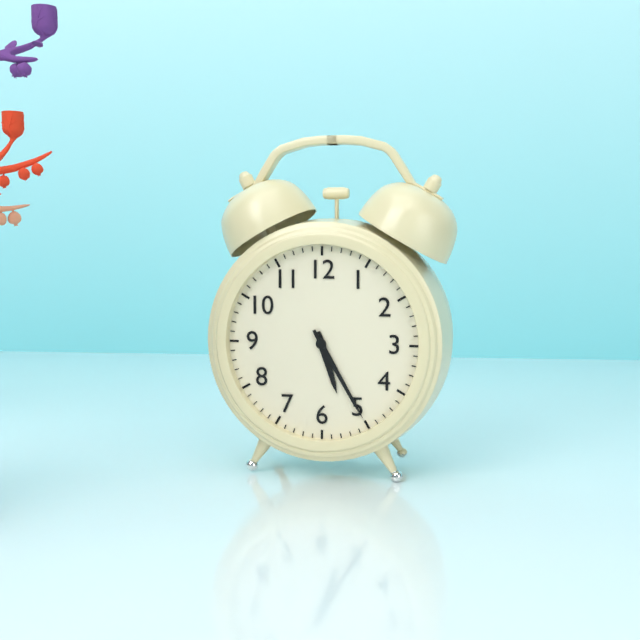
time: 5:25
